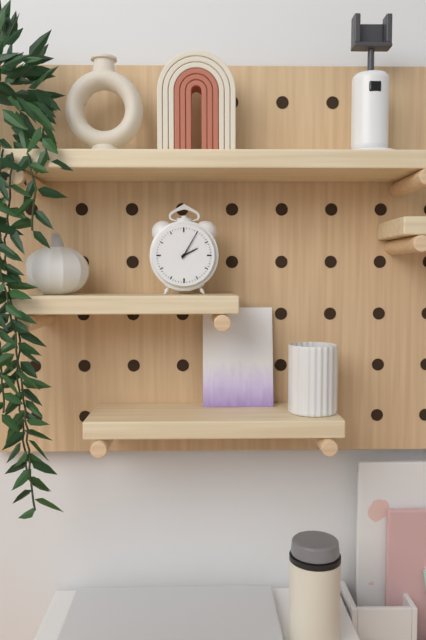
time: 2:05
